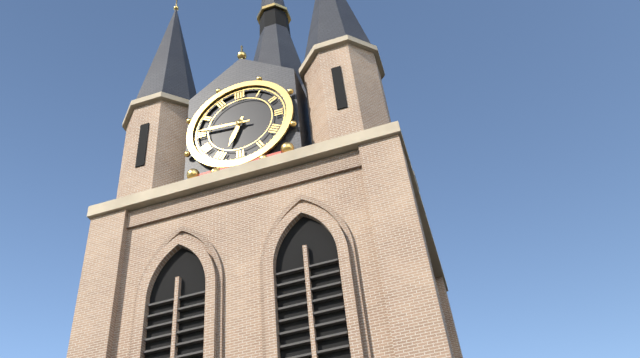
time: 6:46
